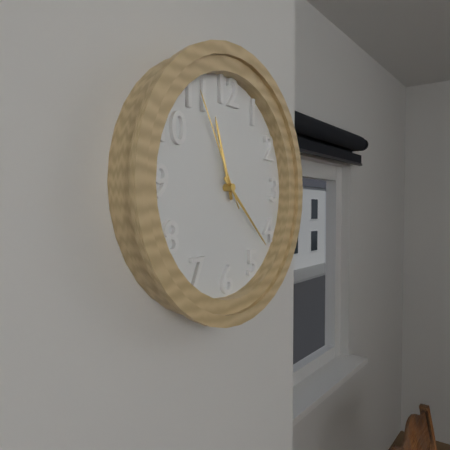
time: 11:22:55
